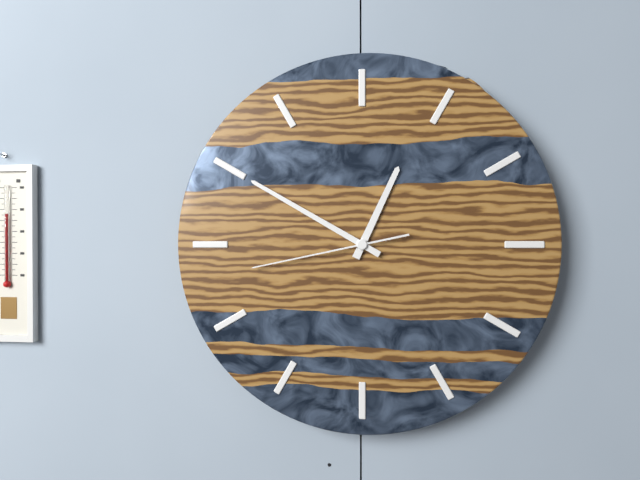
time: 12:50:43
